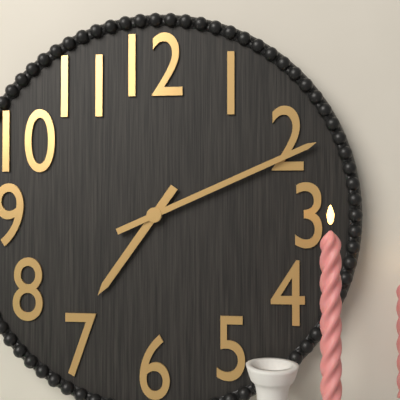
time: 7:11
